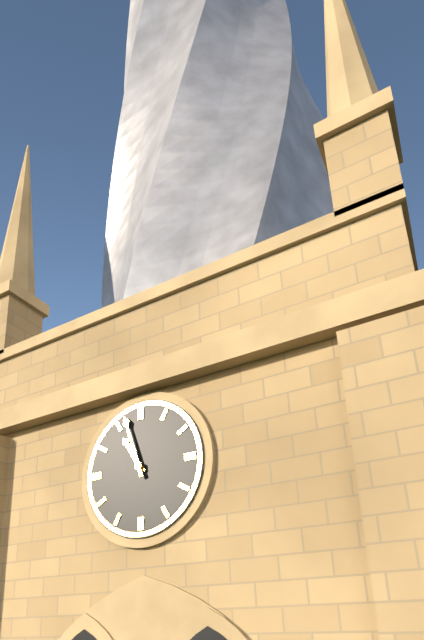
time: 10:57
